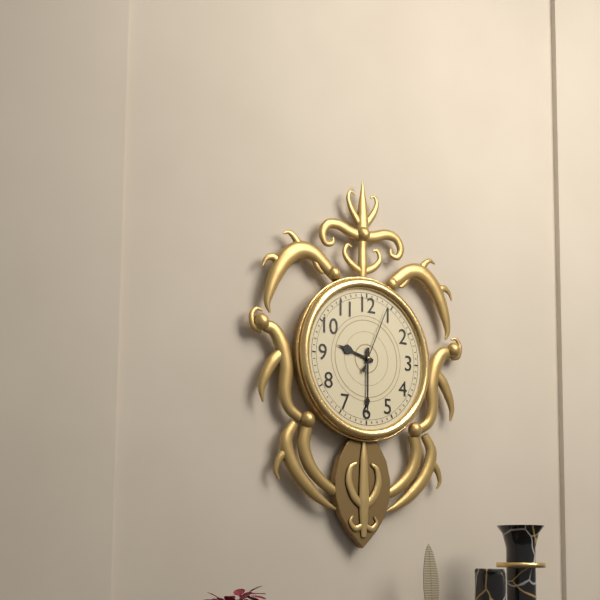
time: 9:30:04
